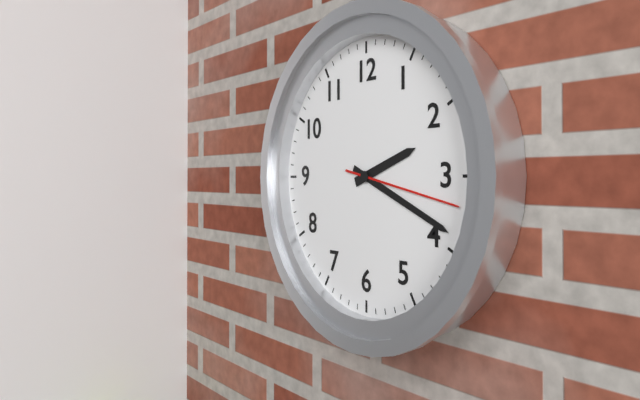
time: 2:19:17
